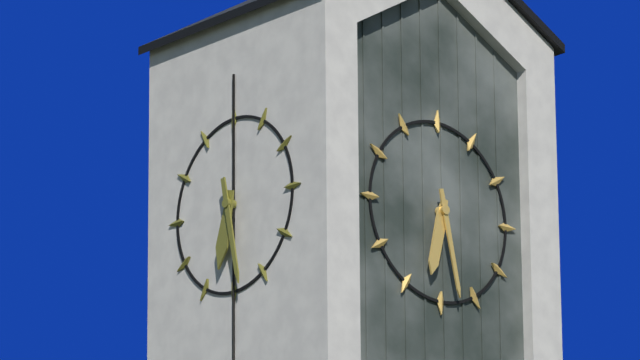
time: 6:28
